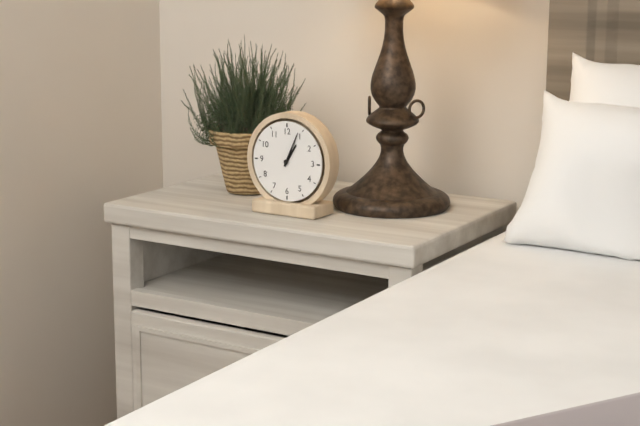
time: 1:04
